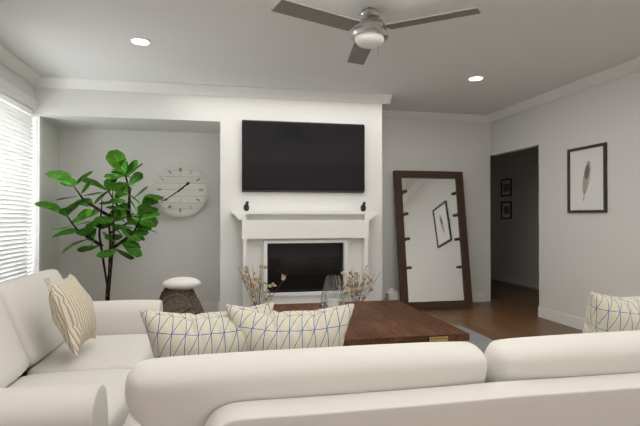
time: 1:39
